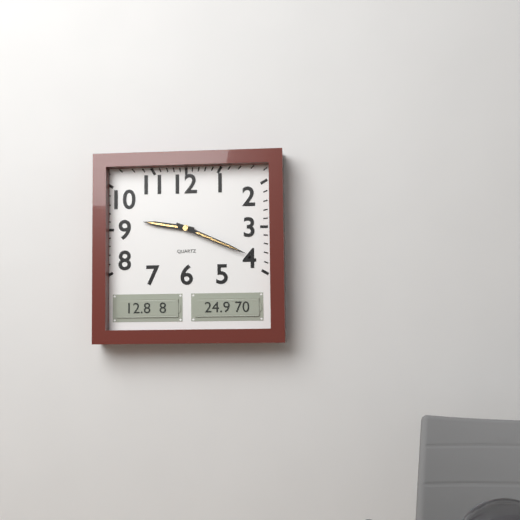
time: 9:19
